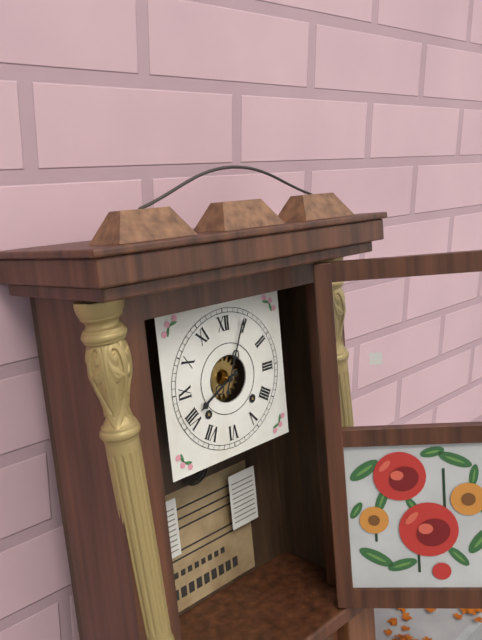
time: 8:04
